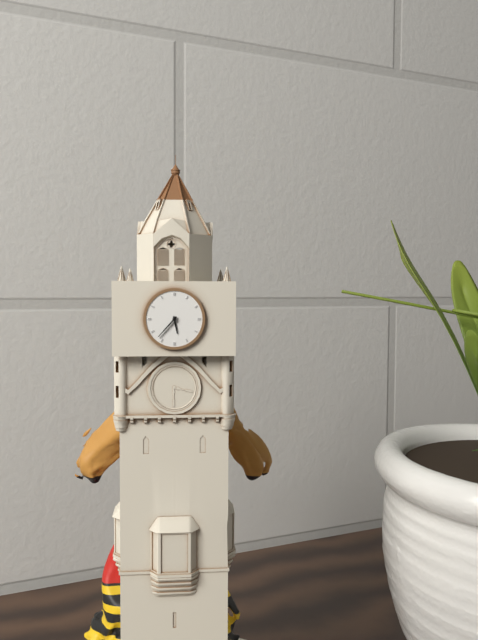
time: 5:37
